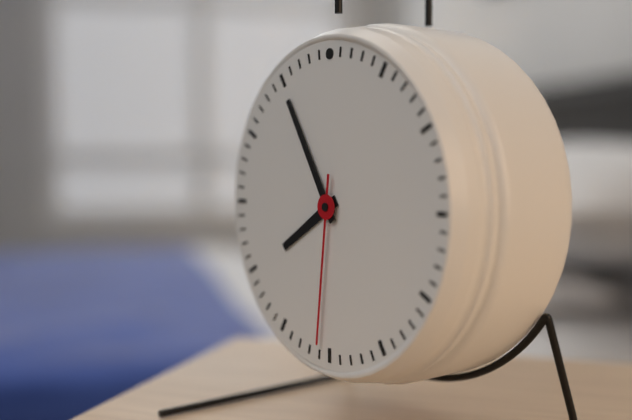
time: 7:55:31
